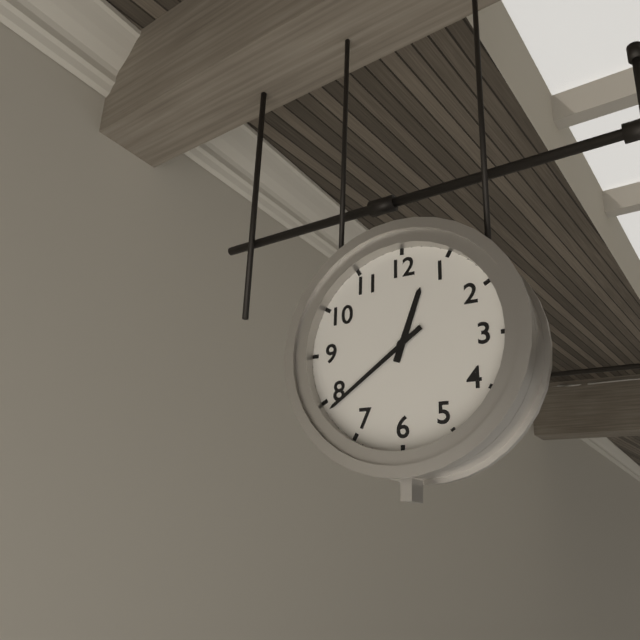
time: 12:39
